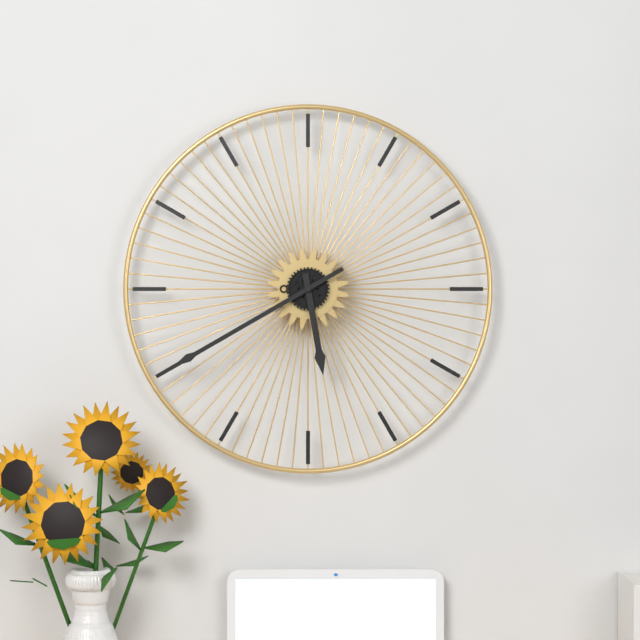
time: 5:40
